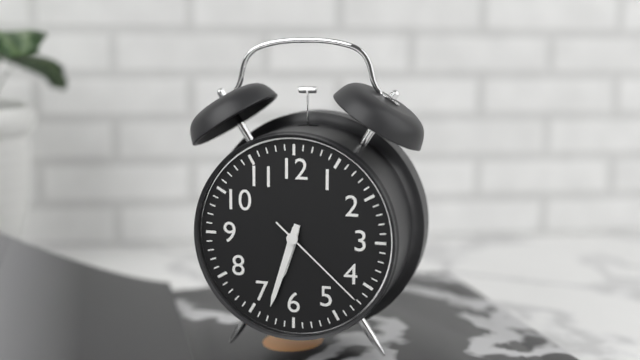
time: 6:33:22
